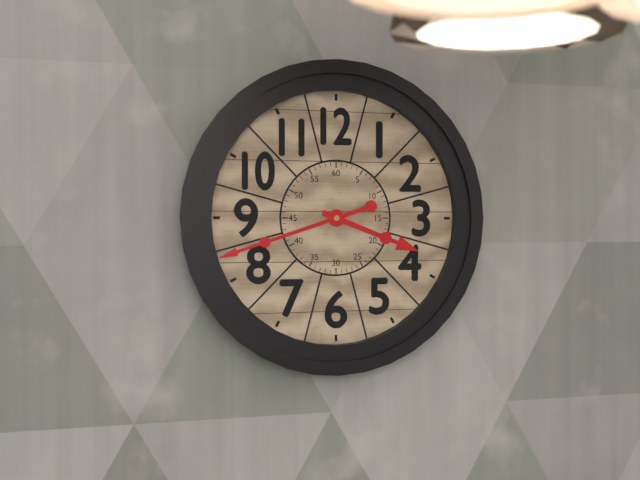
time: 3:42
